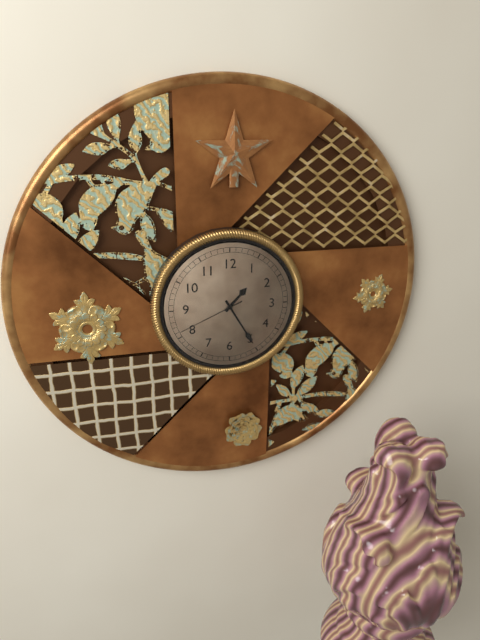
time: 1:25:41
